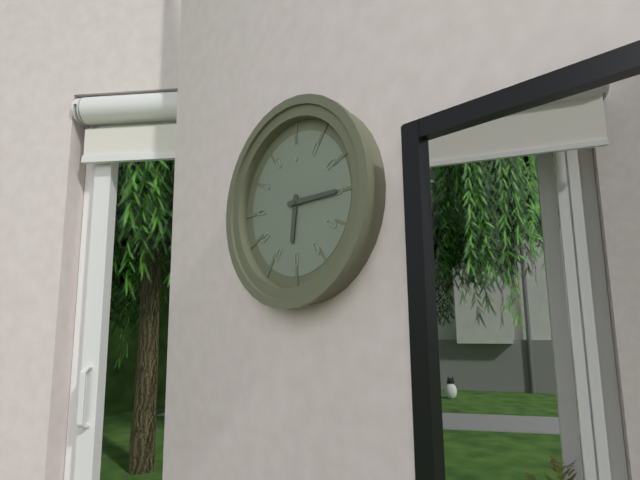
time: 6:15
